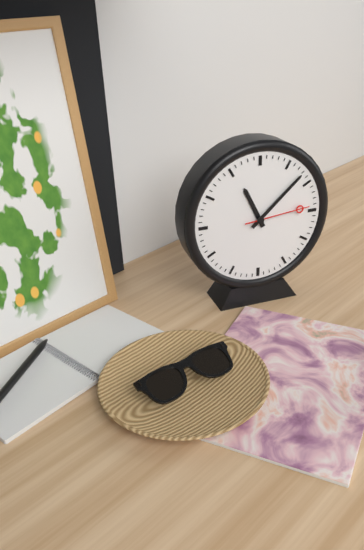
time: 11:08:14
